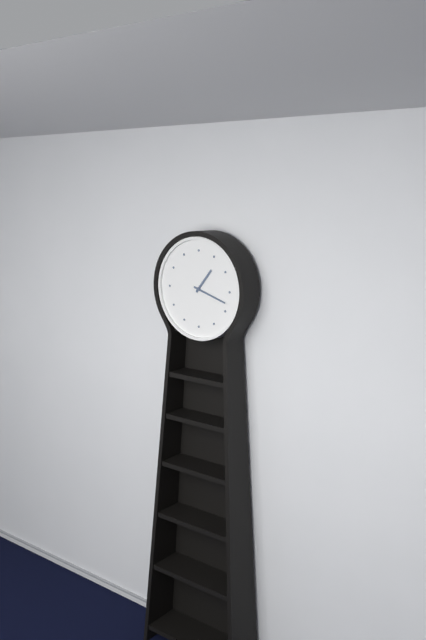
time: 1:18
